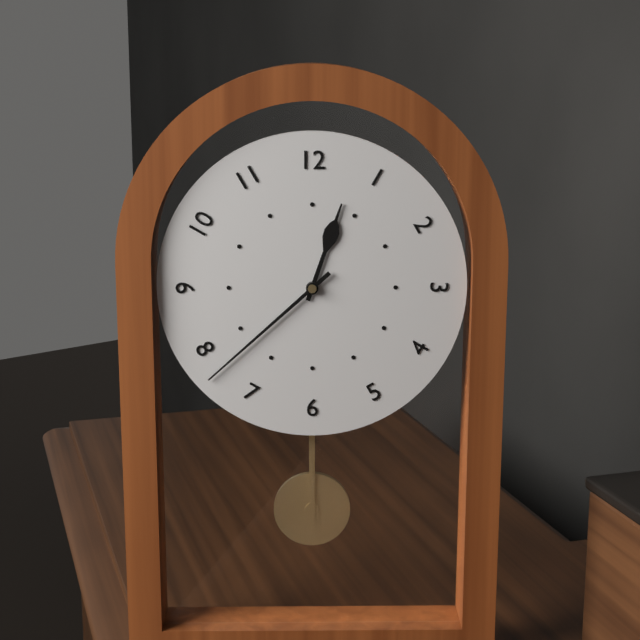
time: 12:38
